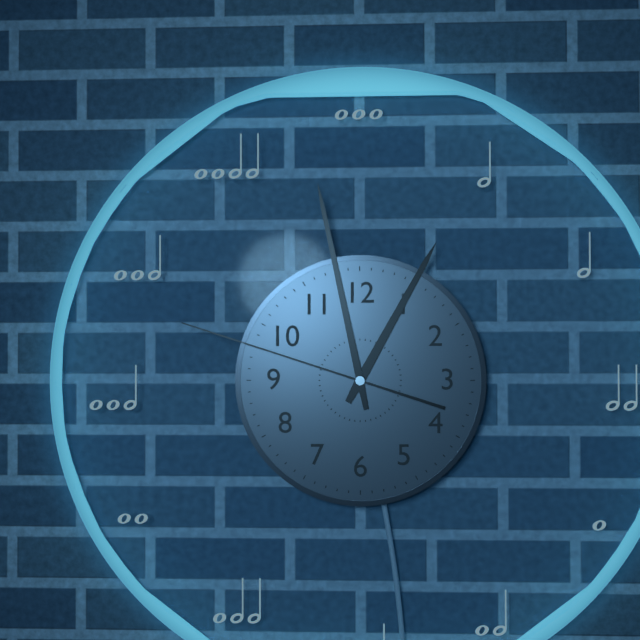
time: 12:58:48
